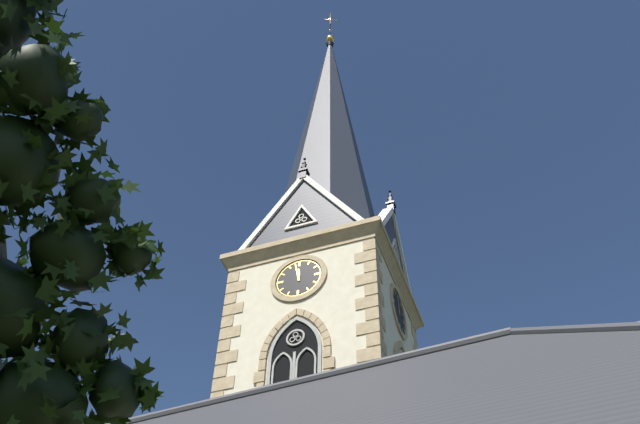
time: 11:58
